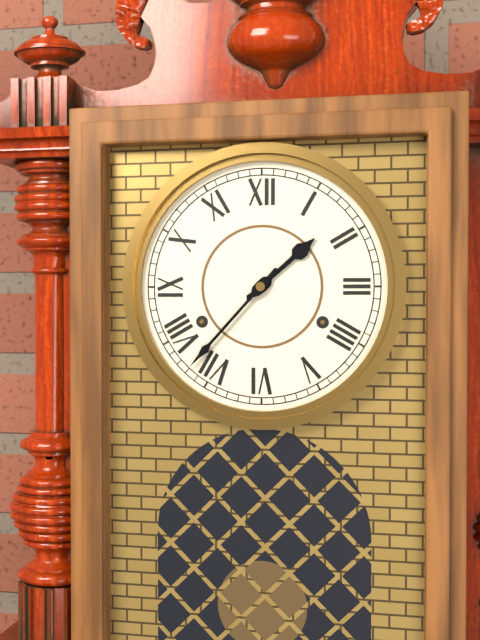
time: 1:37
